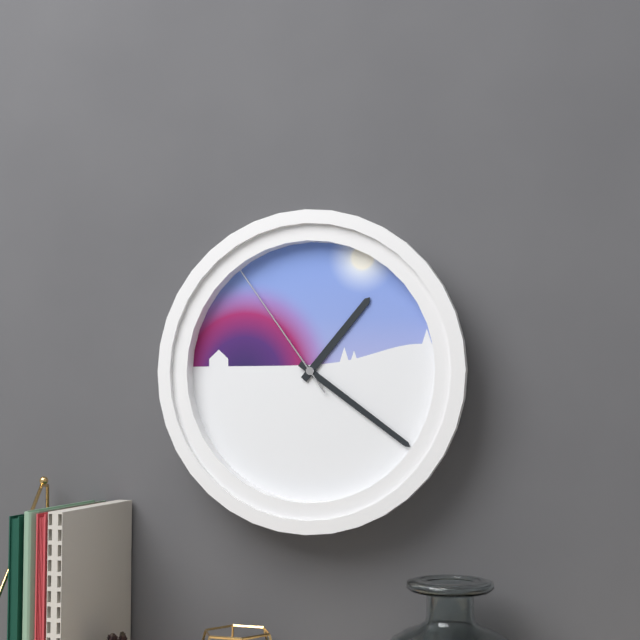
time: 1:21:54
